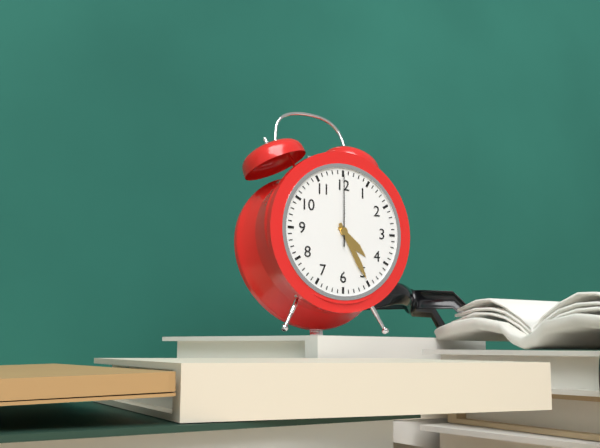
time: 4:25:00
